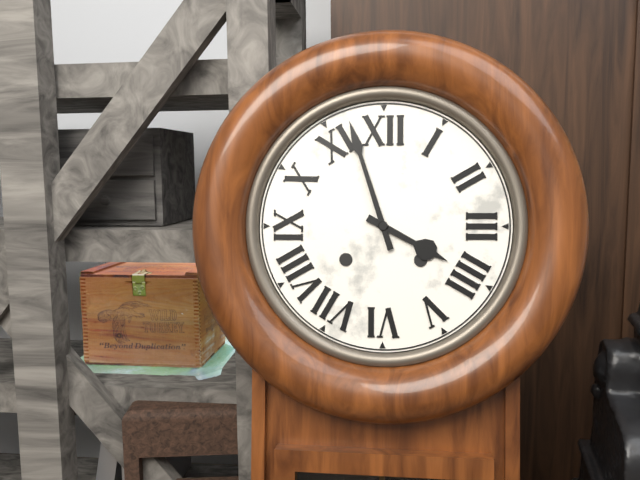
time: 3:57
